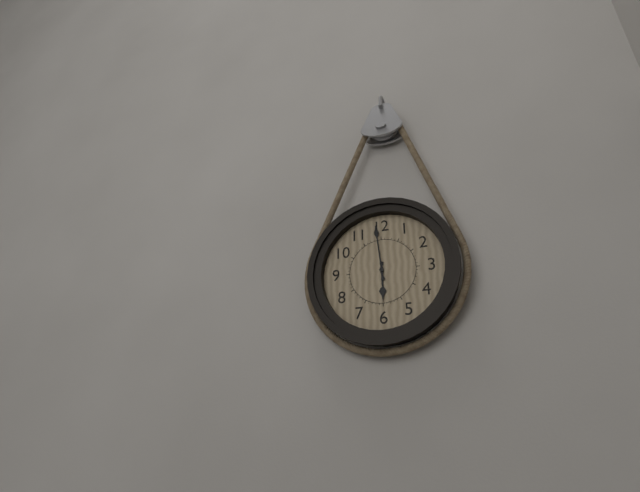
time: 5:59
